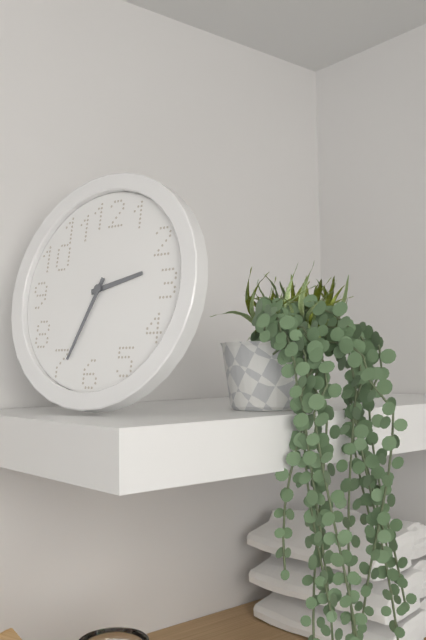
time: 2:34
